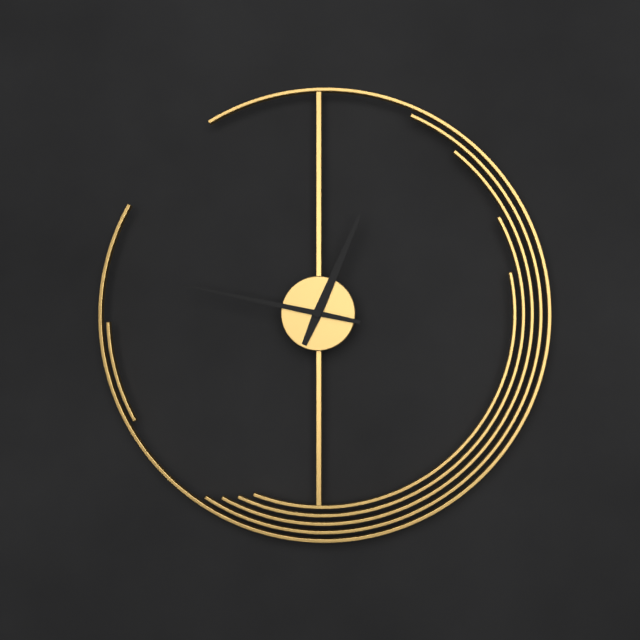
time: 12:47
